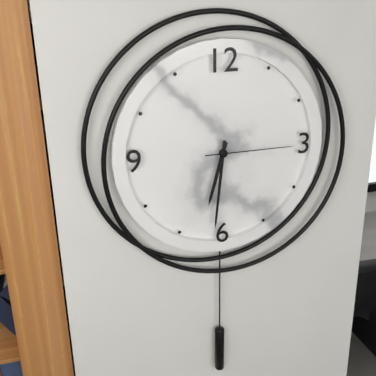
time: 6:31:15
